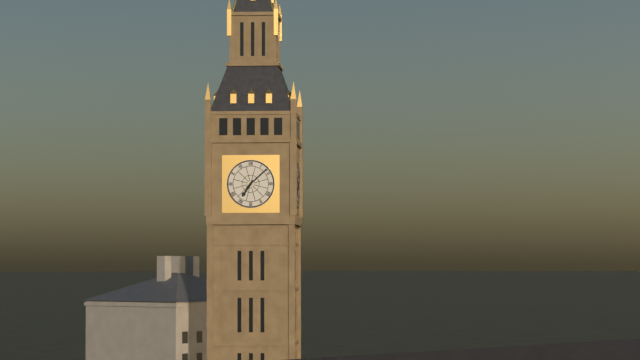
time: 7:08
